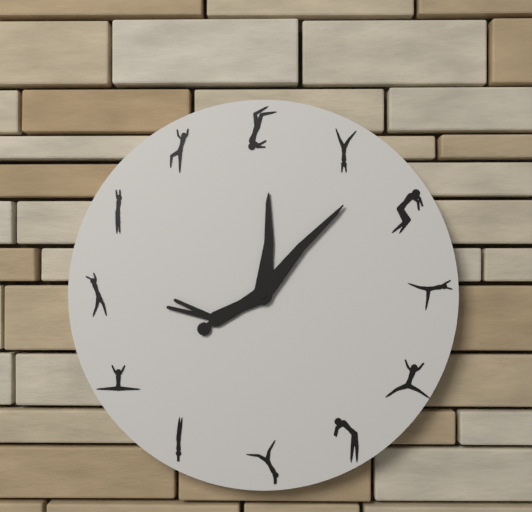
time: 12:07
